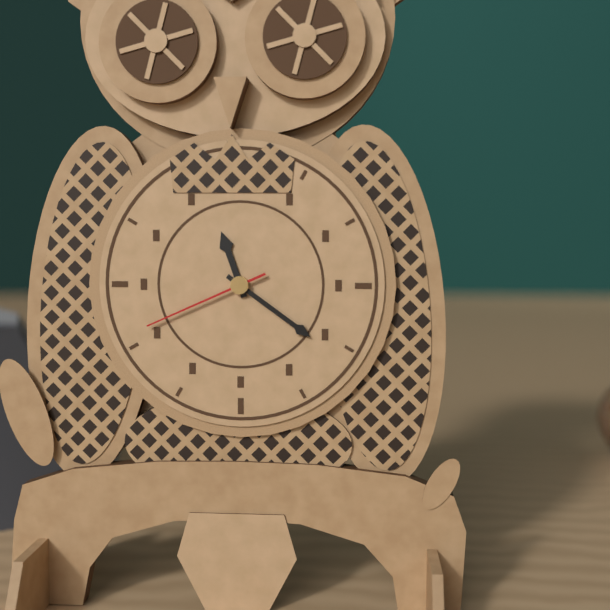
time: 11:21:41
